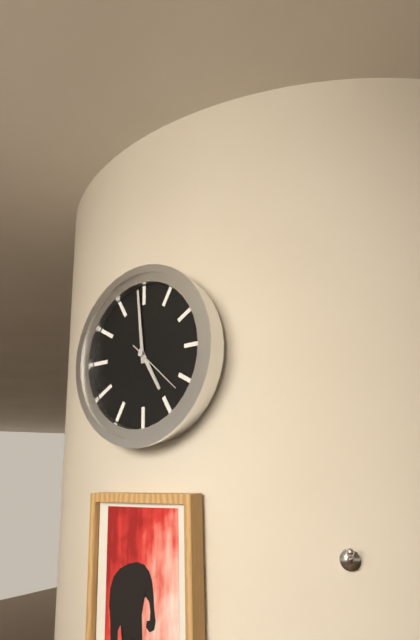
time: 4:59:22
